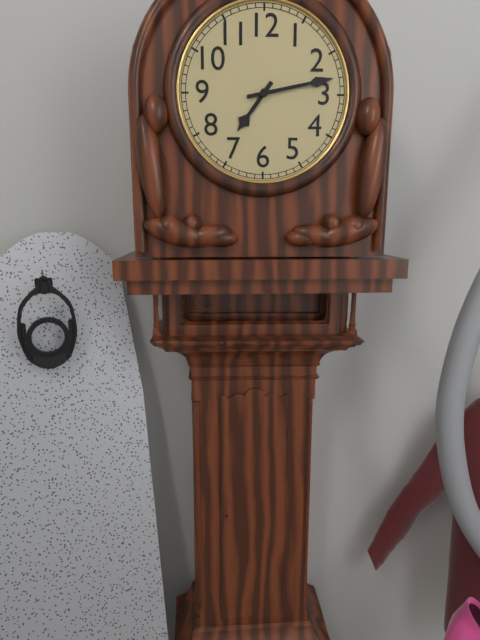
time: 7:13
